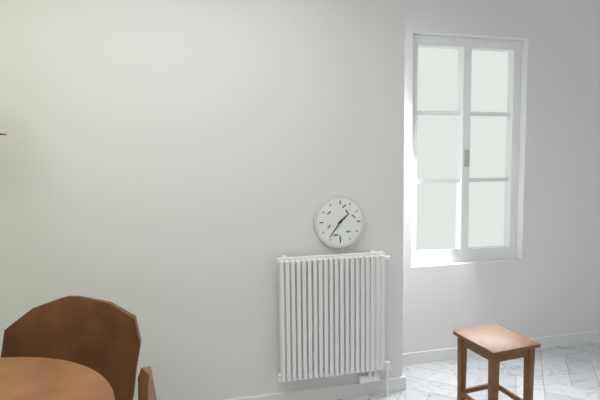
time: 1:36
